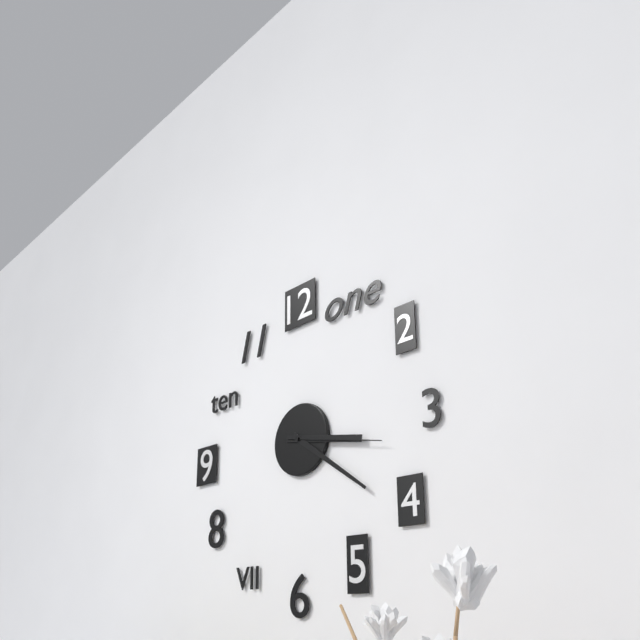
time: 3:21:17
